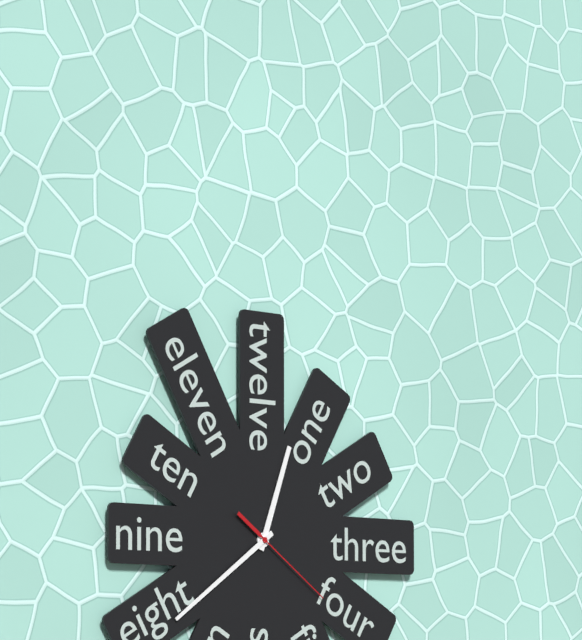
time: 12:39:21
